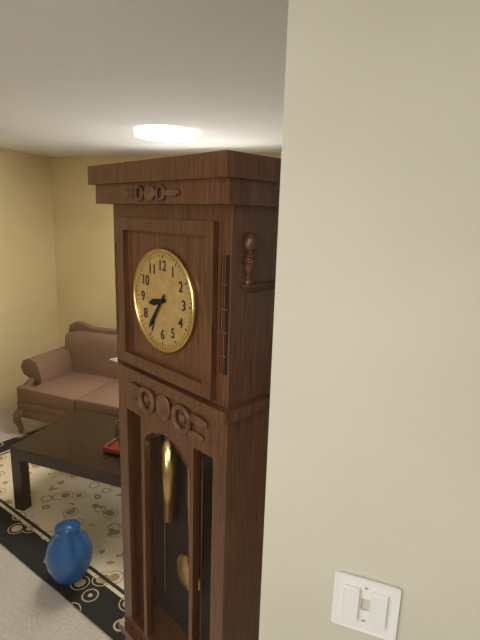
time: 8:36
